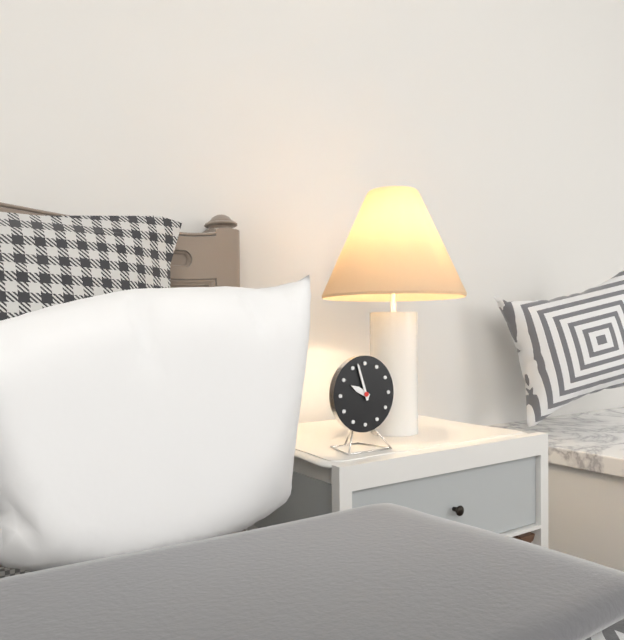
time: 9:57
